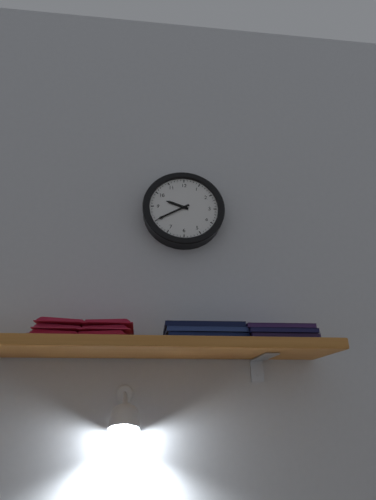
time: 9:40
